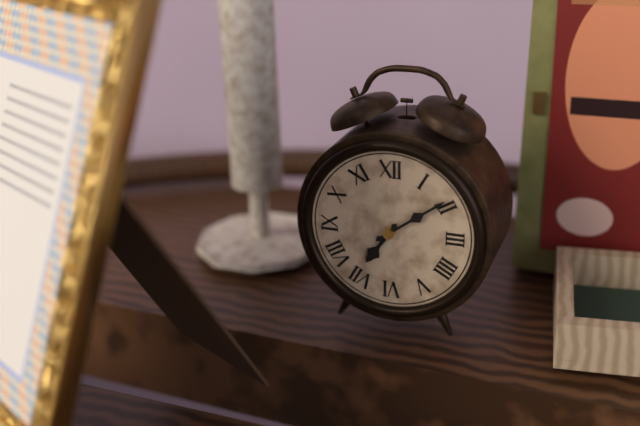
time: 7:09
